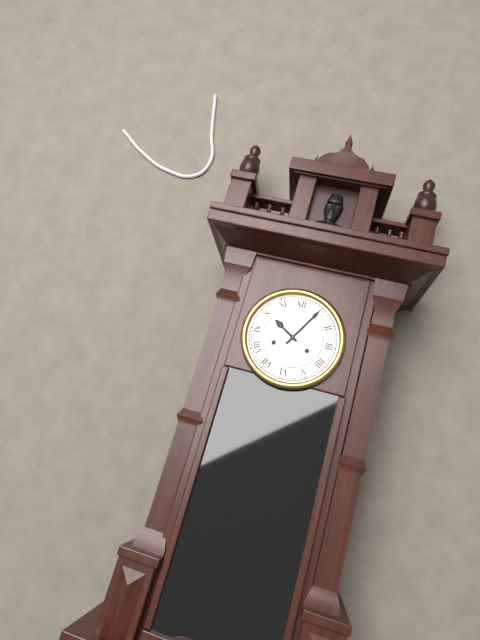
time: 10:05
